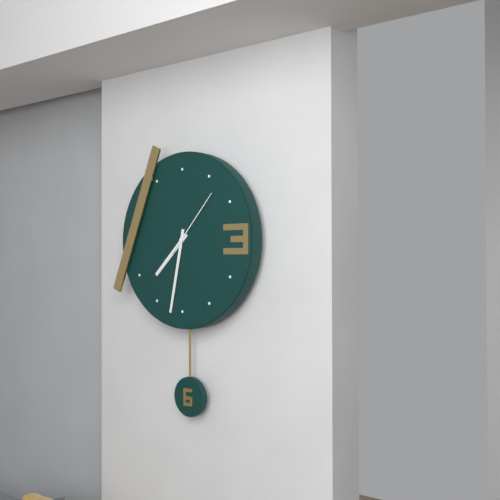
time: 7:32:07
